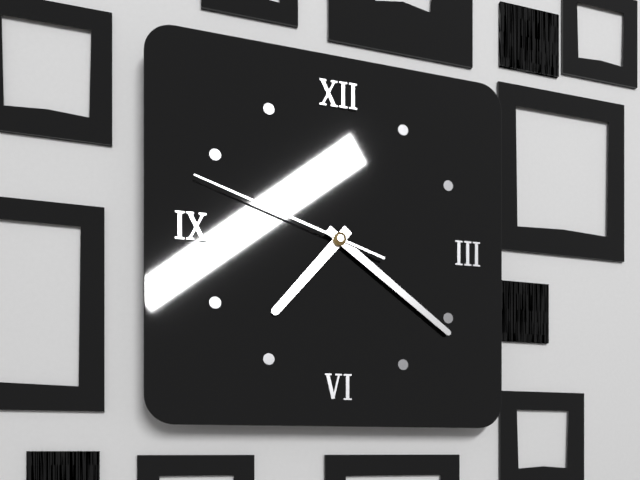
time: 7:21:48
